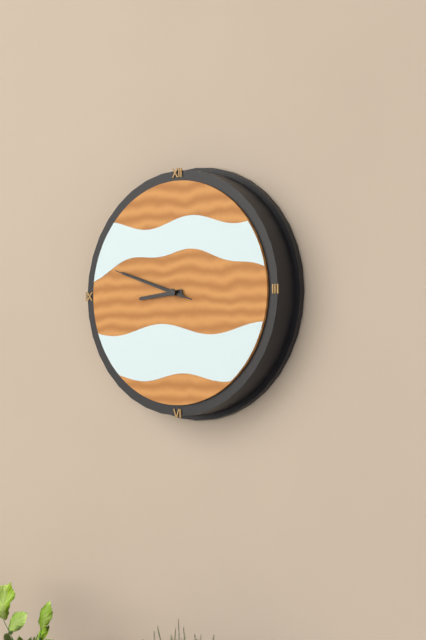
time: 8:48:48
